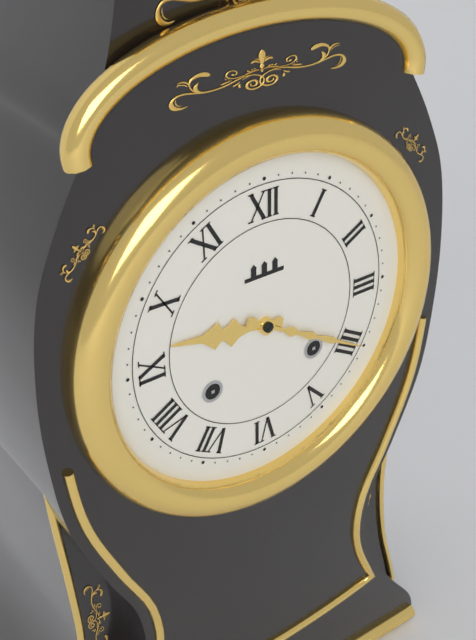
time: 9:20
